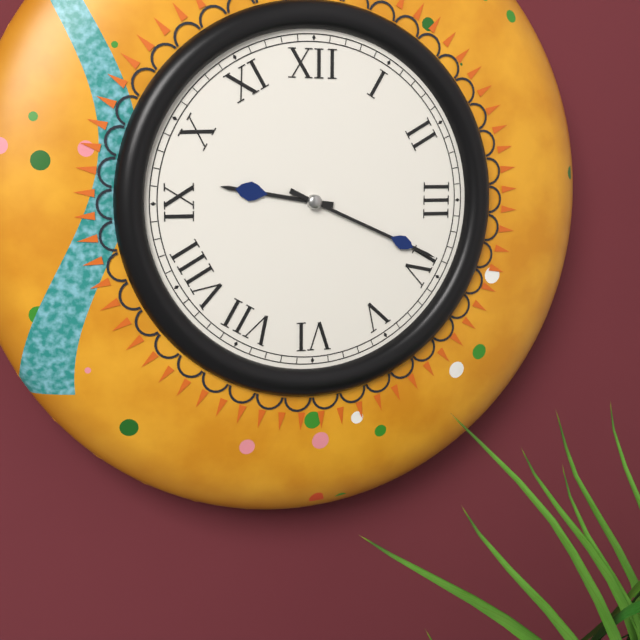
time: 9:19
